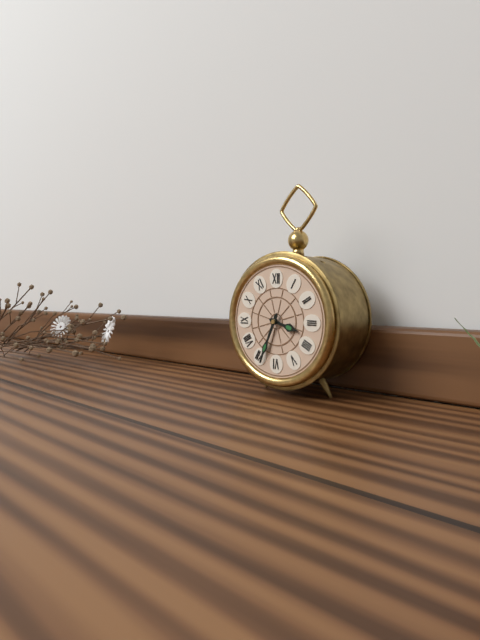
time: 3:34
